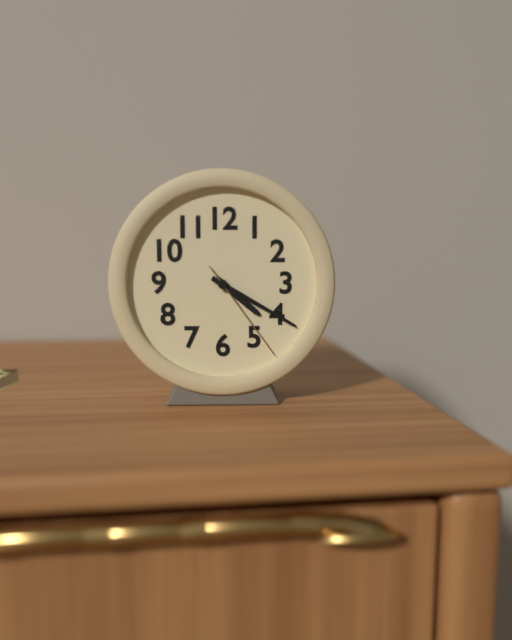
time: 4:20:24
